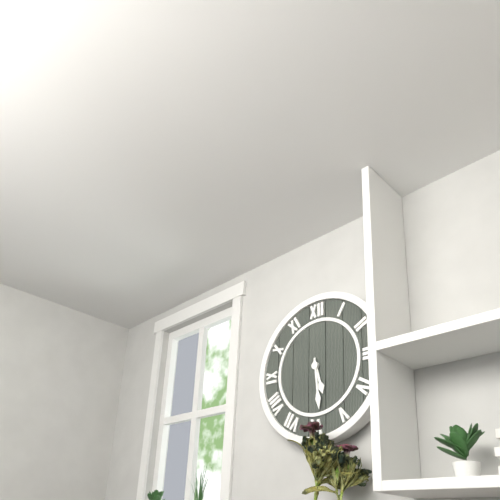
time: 5:29
